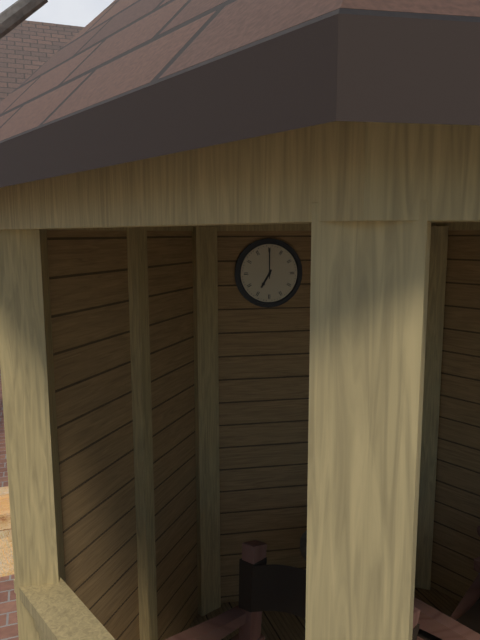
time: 7:00
